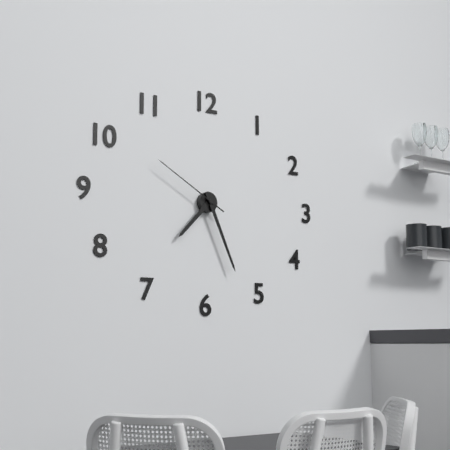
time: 7:26:50
